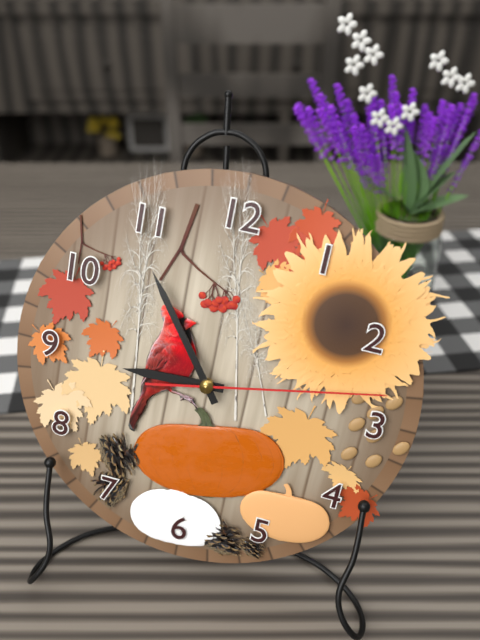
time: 8:54:13
